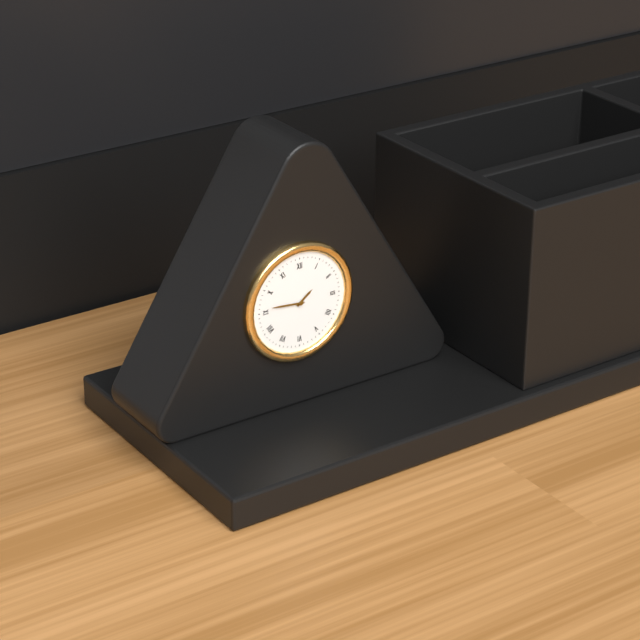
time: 1:46
